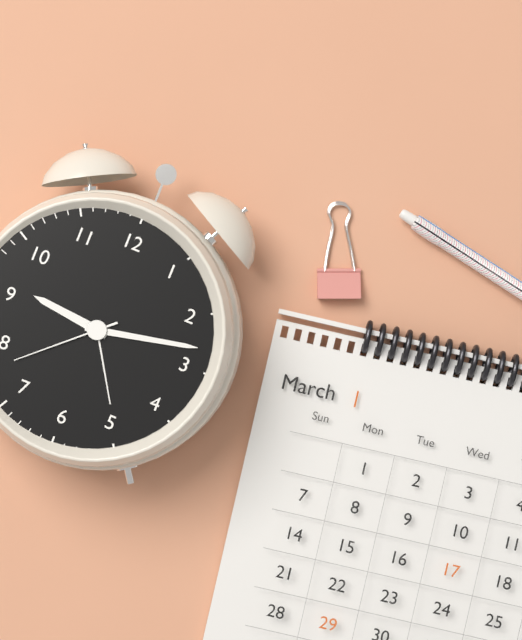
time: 9:13:38
